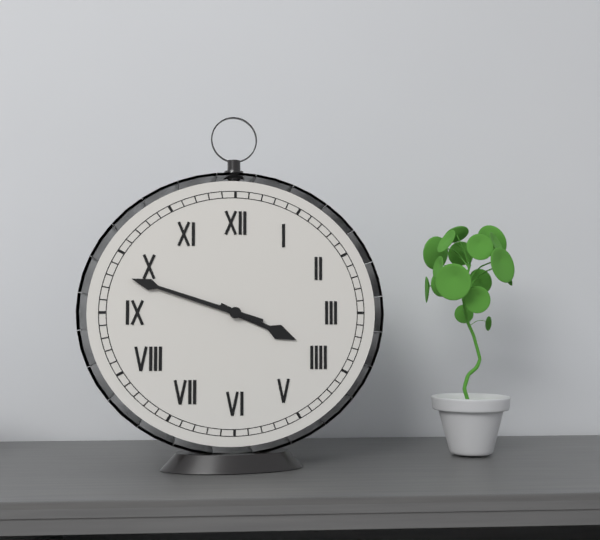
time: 3:48
